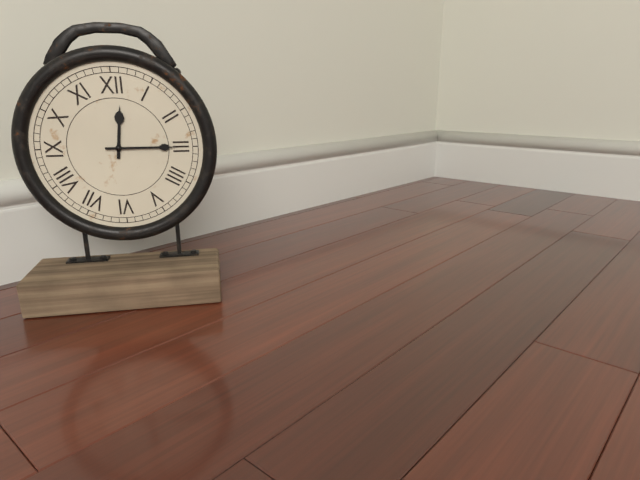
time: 12:15
